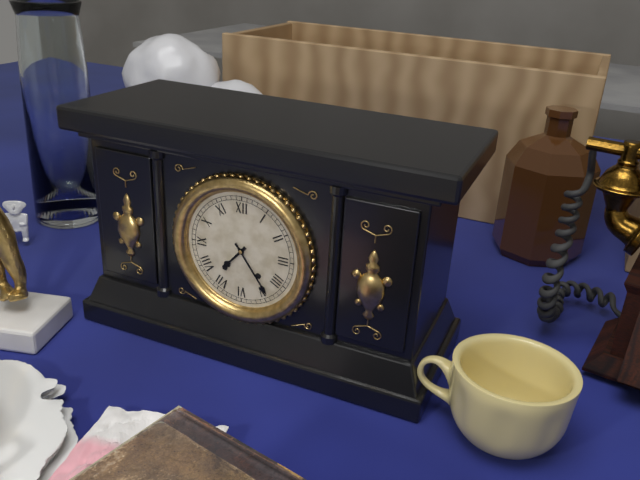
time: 7:24
